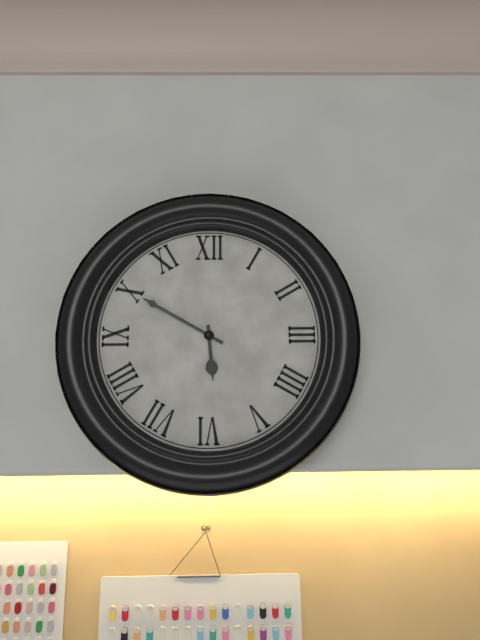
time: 5:50
